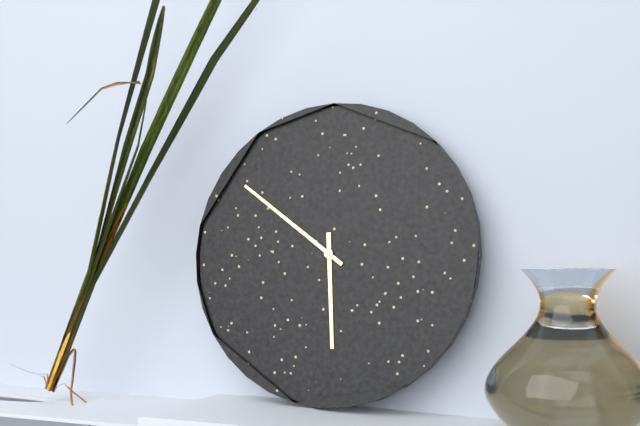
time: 5:51
